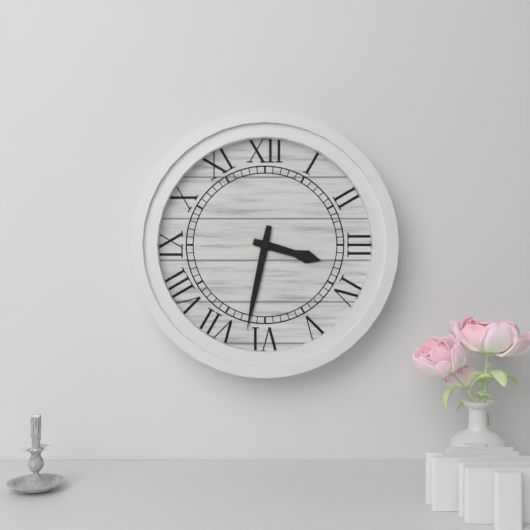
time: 3:32
